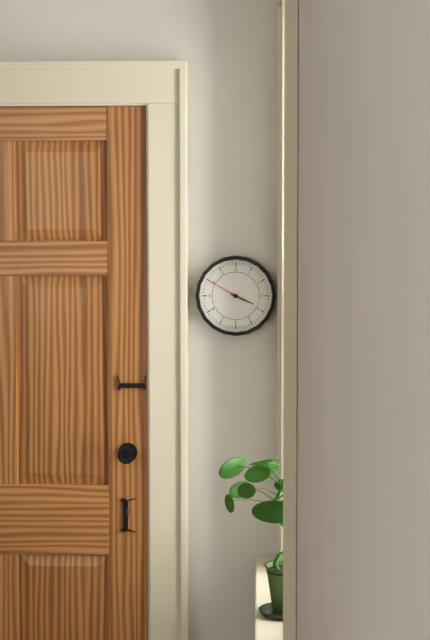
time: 3:50
